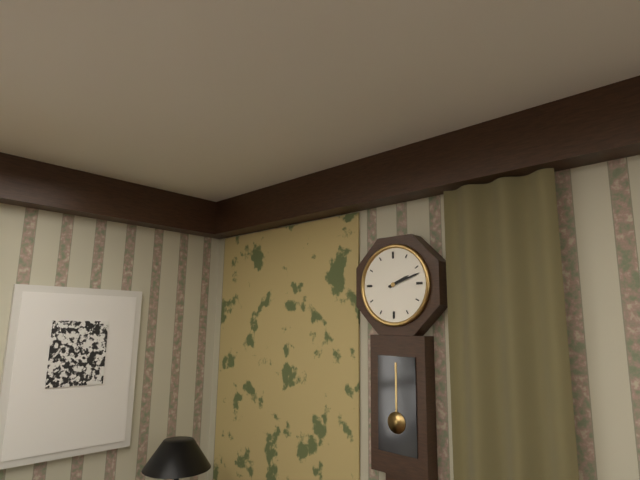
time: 2:12
